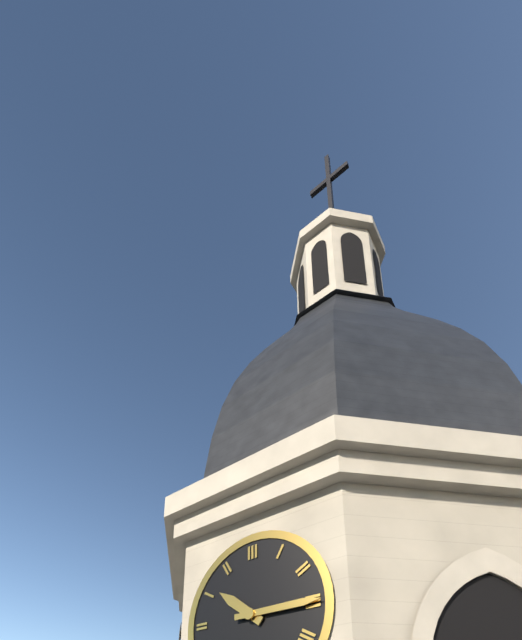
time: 10:15
